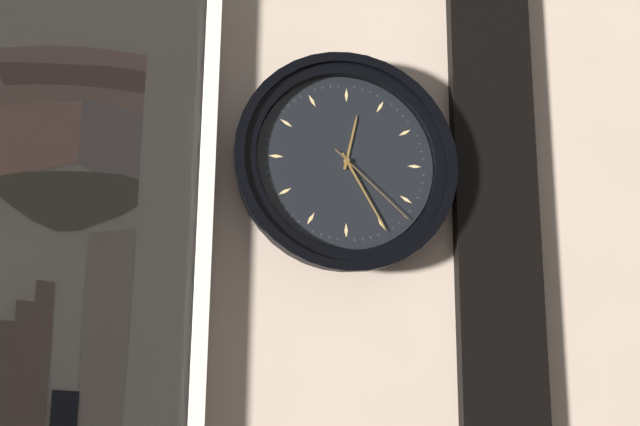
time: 12:25:22
